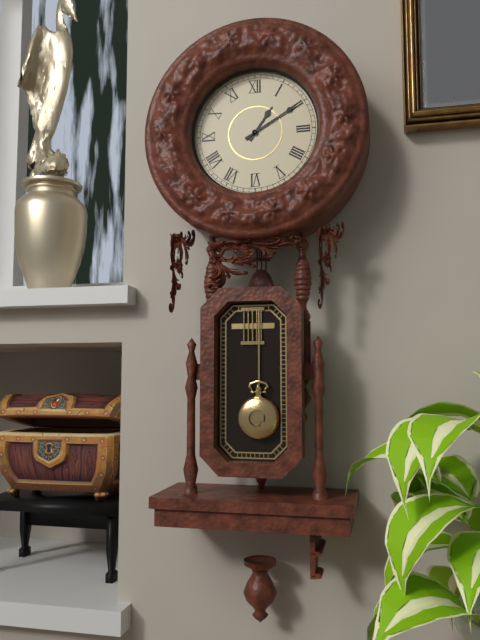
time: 1:10
